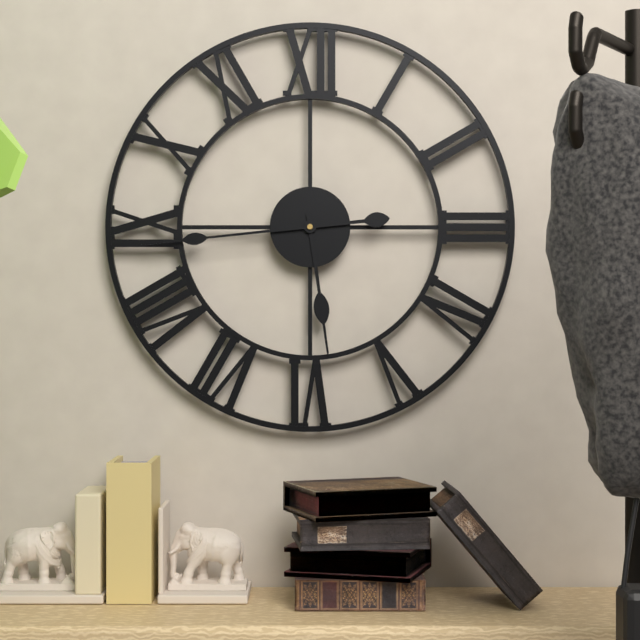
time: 5:44
